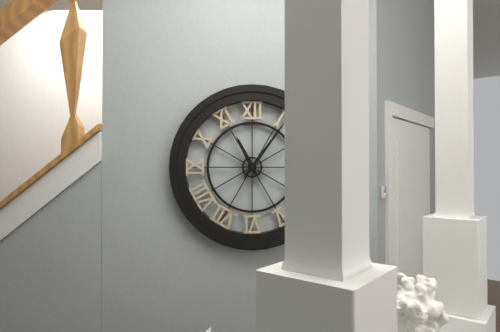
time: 11:06
